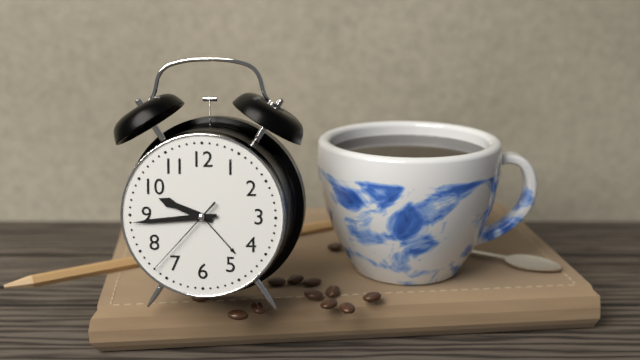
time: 9:44:37
